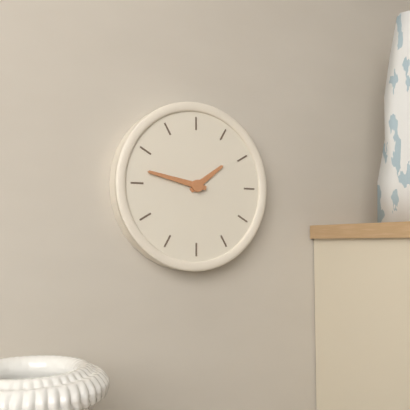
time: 1:47
